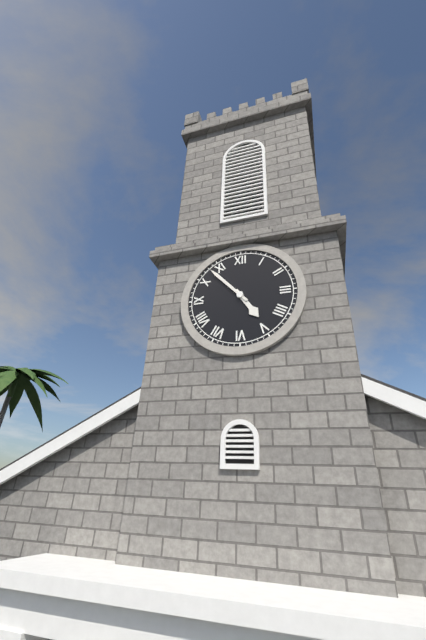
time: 4:53
